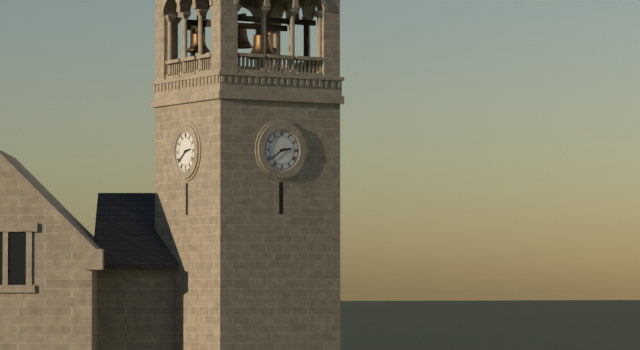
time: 2:39
